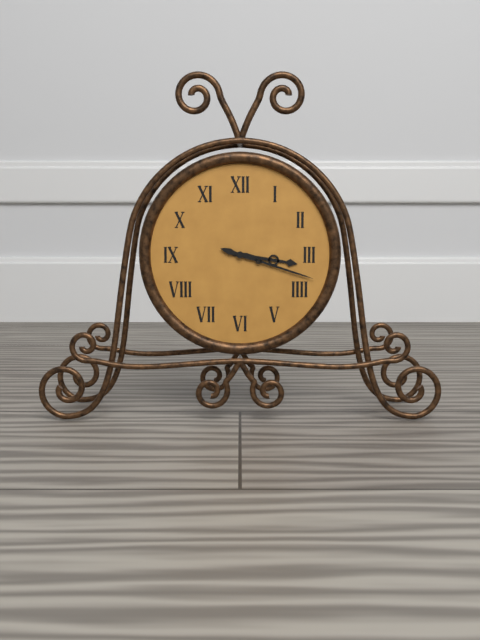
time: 3:18
